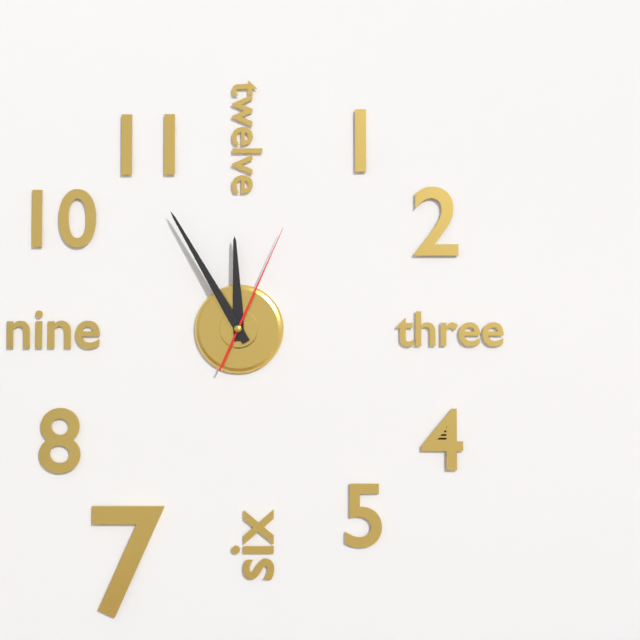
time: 11:55:04
